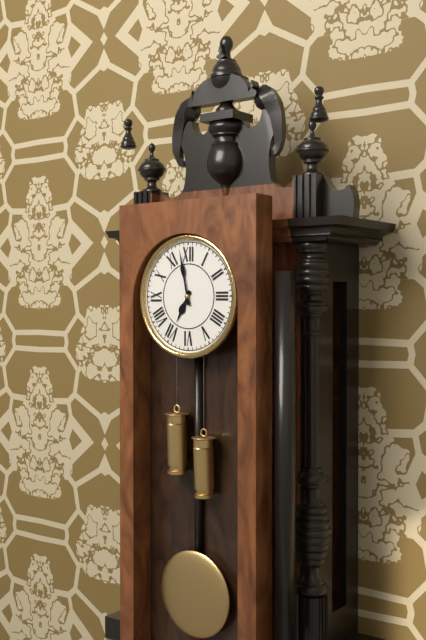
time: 6:58
